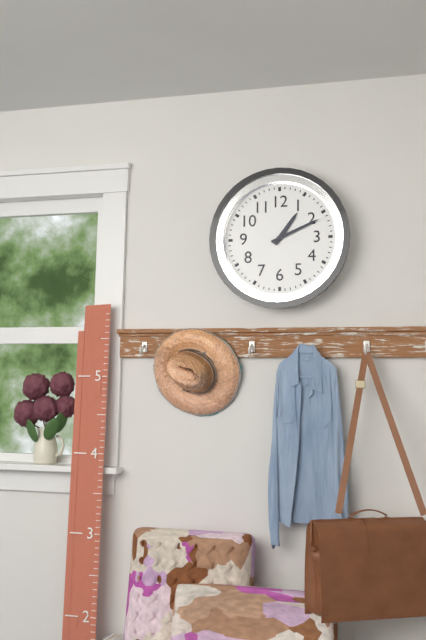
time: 1:11
